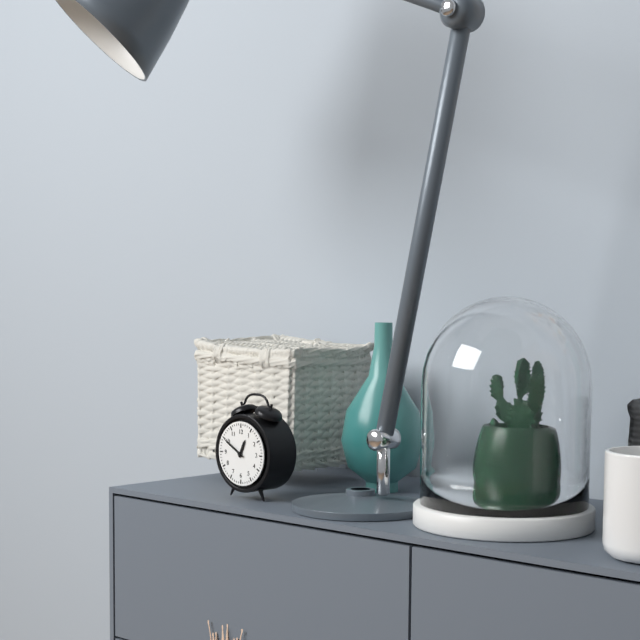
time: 12:50
